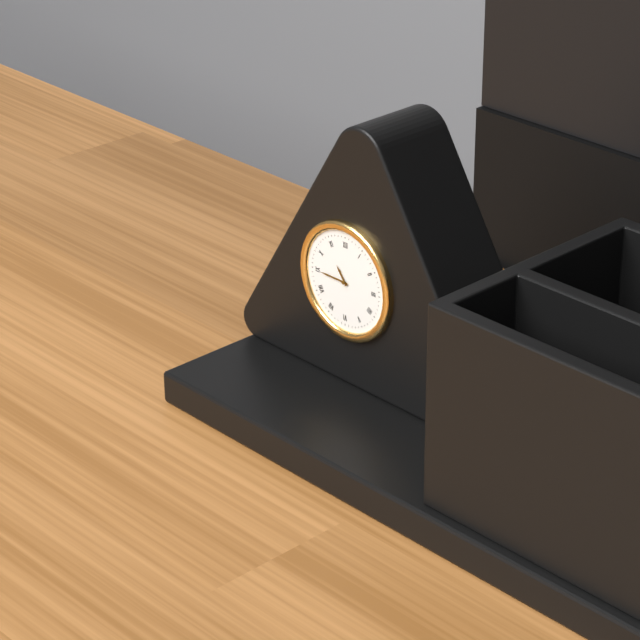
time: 10:45
